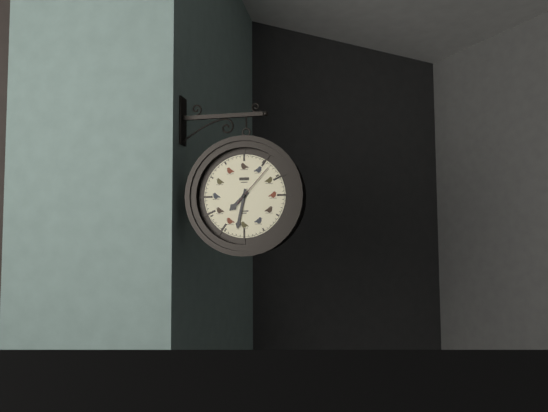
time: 7:32
